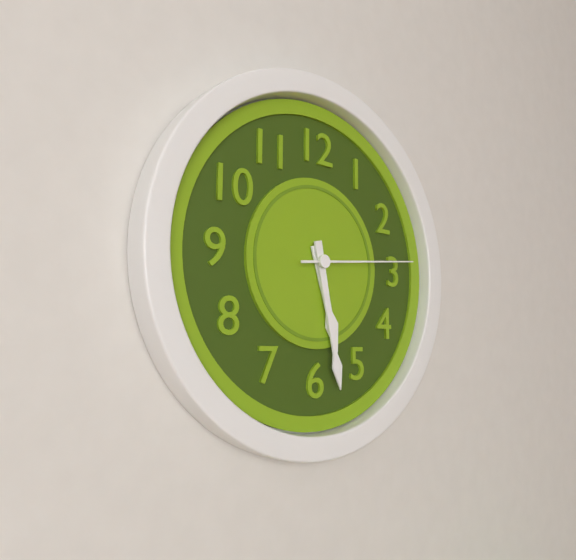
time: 5:28:14
